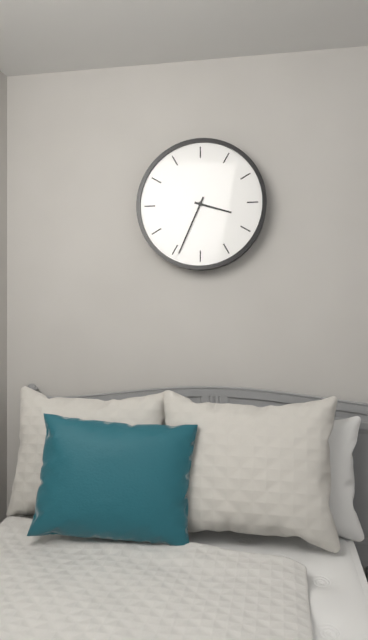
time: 3:34
